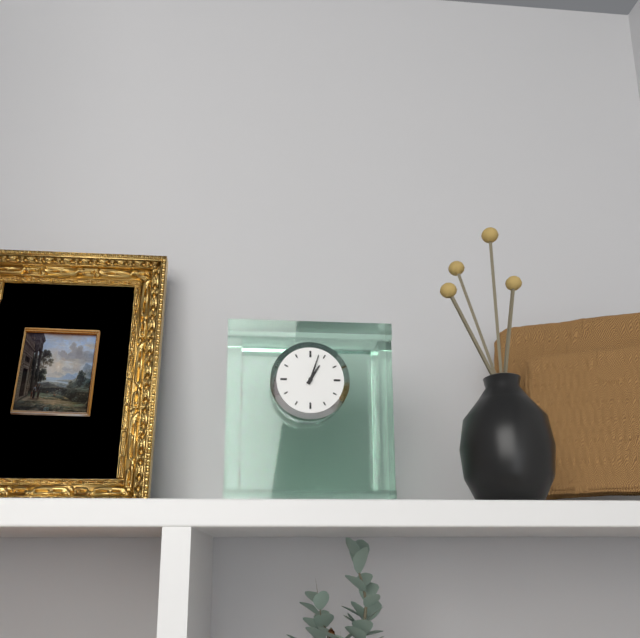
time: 1:03
